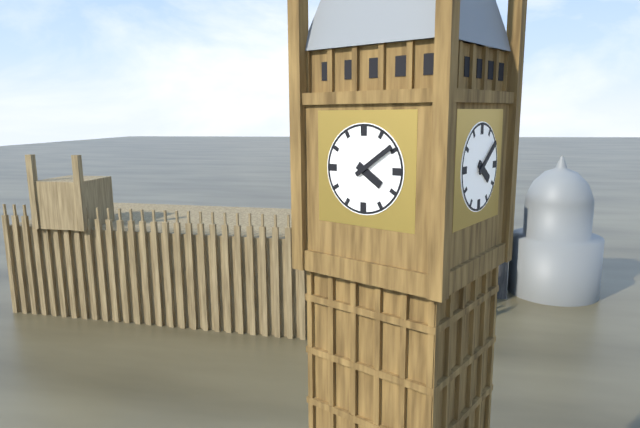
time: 4:09
